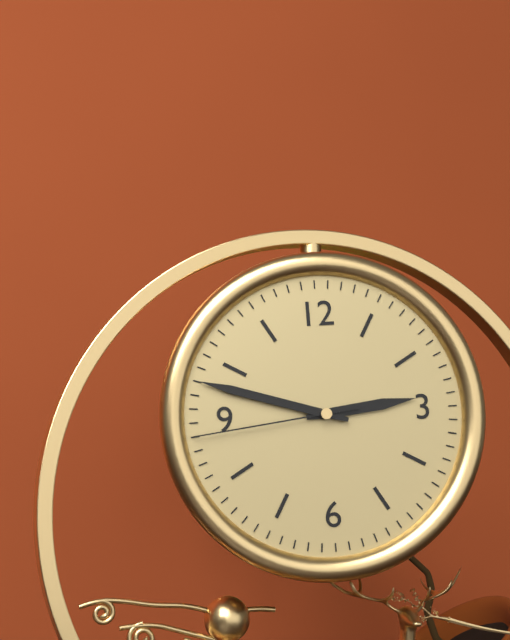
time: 2:48:44
